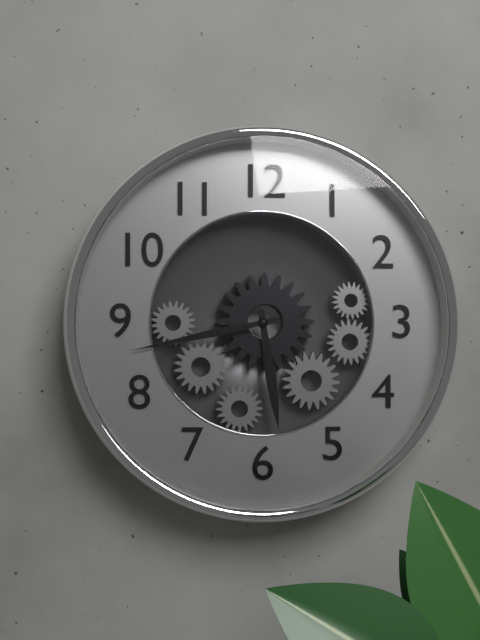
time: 5:43
